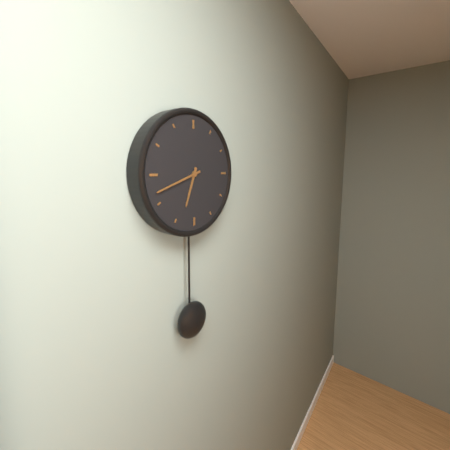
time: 6:42
